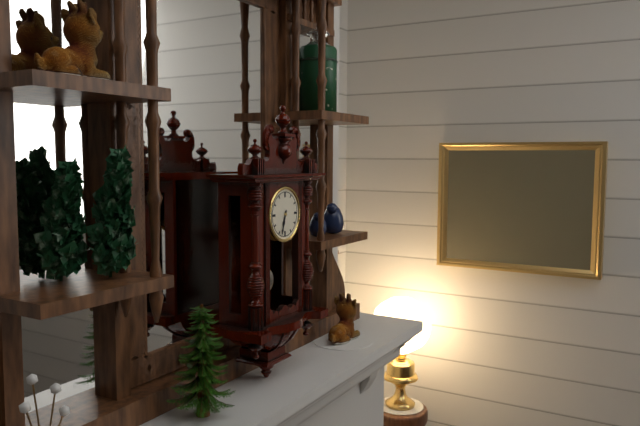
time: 6:33
